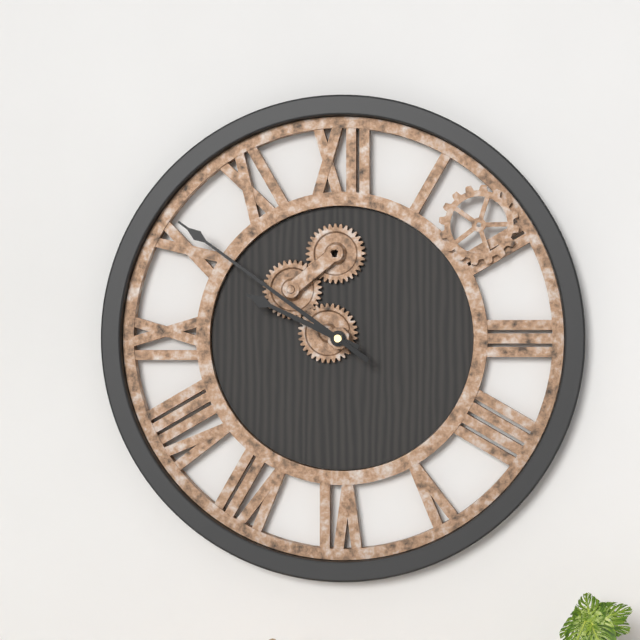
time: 9:51
